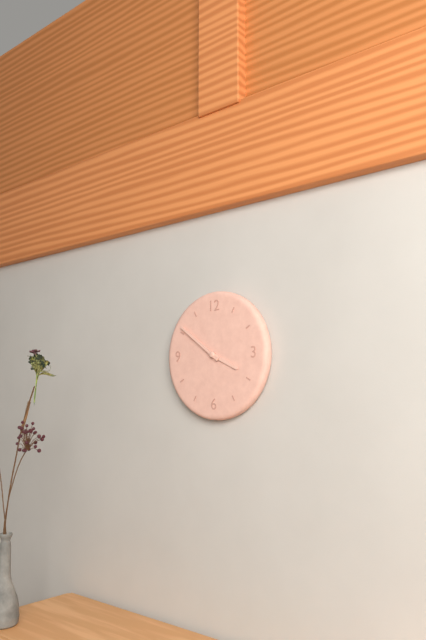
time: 3:51
